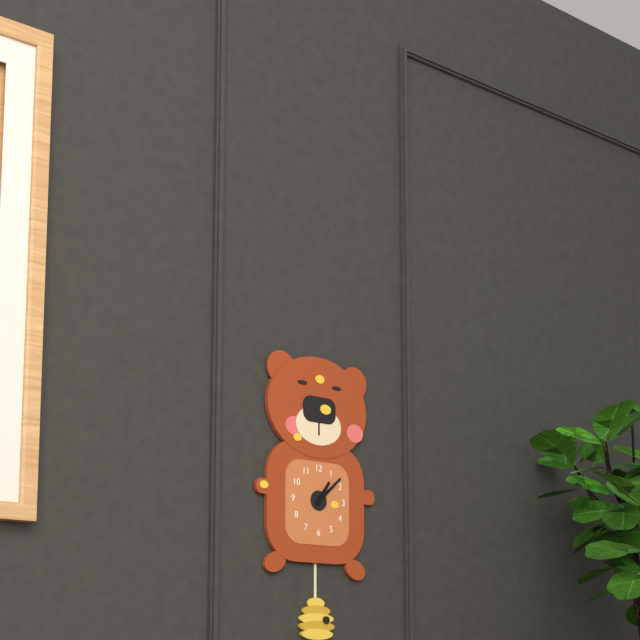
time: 1:08
